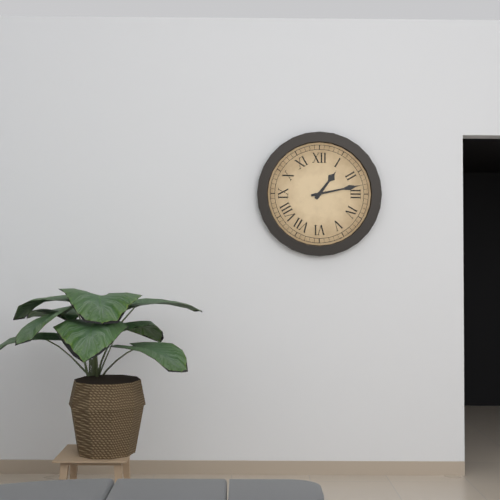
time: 1:13
